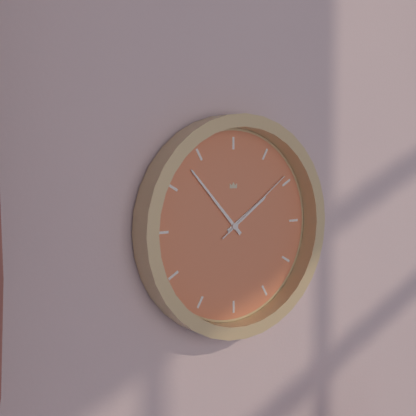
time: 1:53:09
